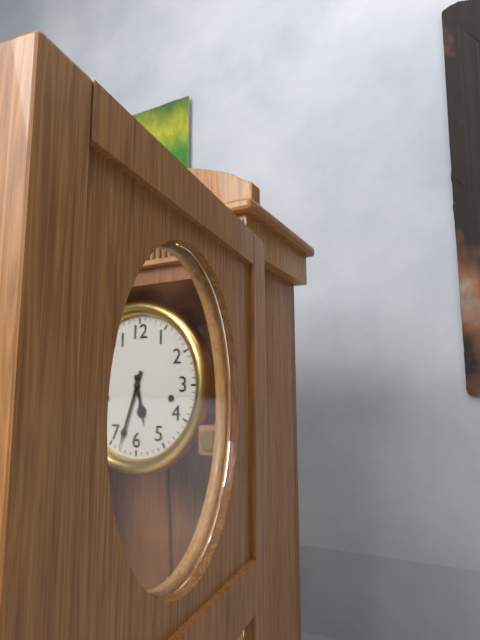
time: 5:33
